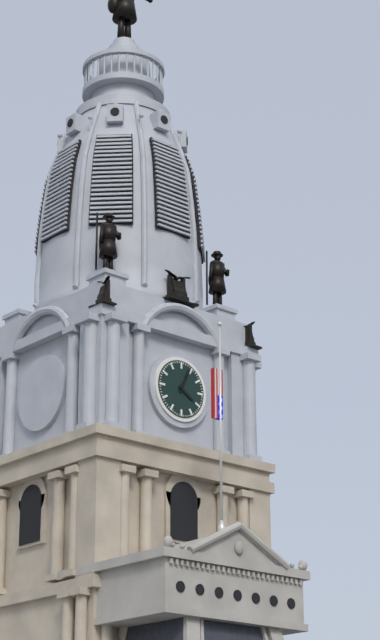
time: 4:04
